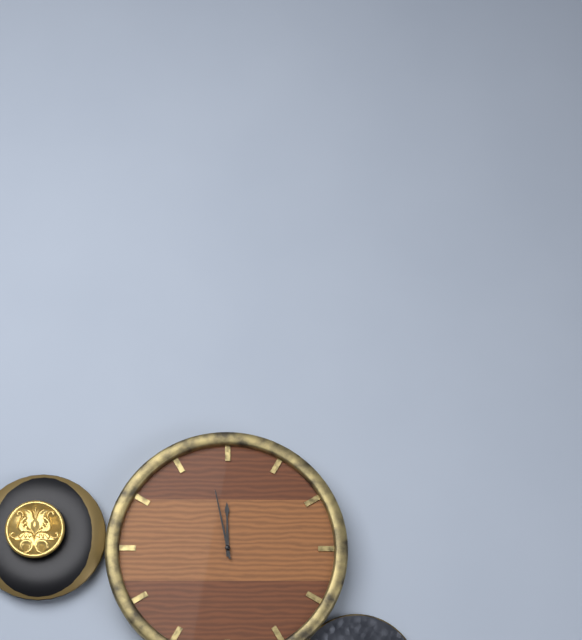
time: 11:58
